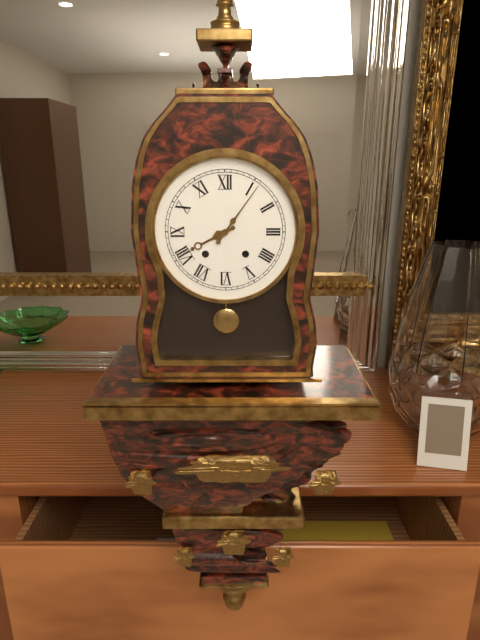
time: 8:06
